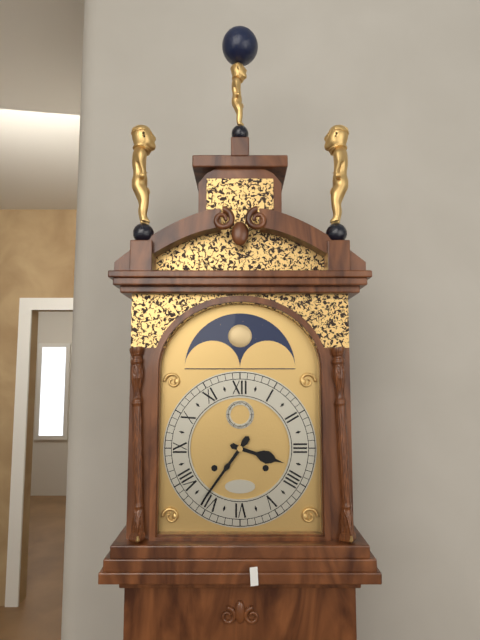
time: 3:36
